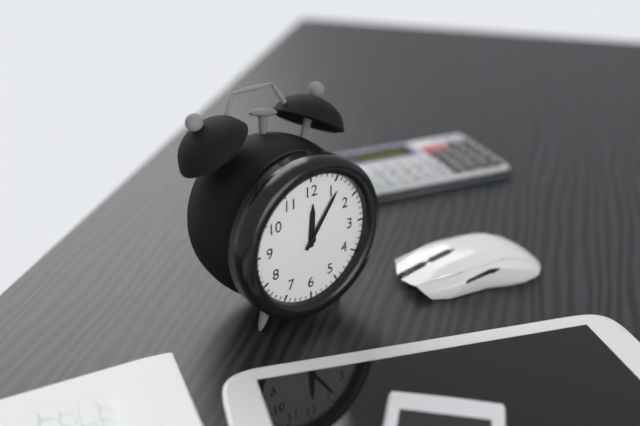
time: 12:06
